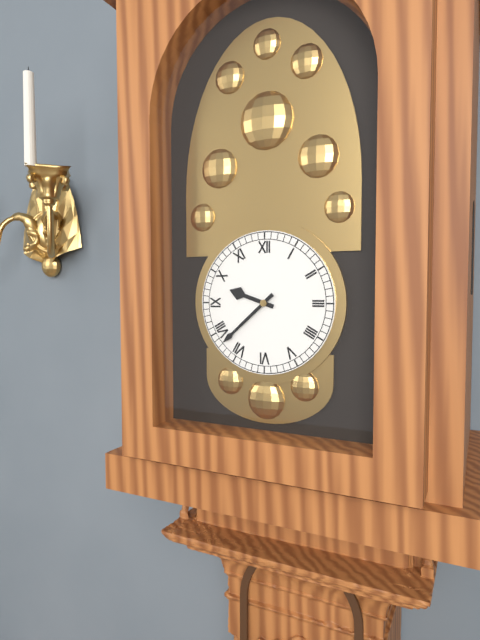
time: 9:38
